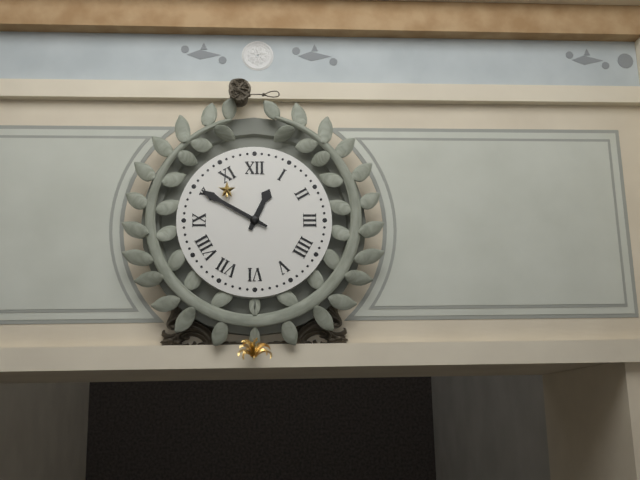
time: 12:50
